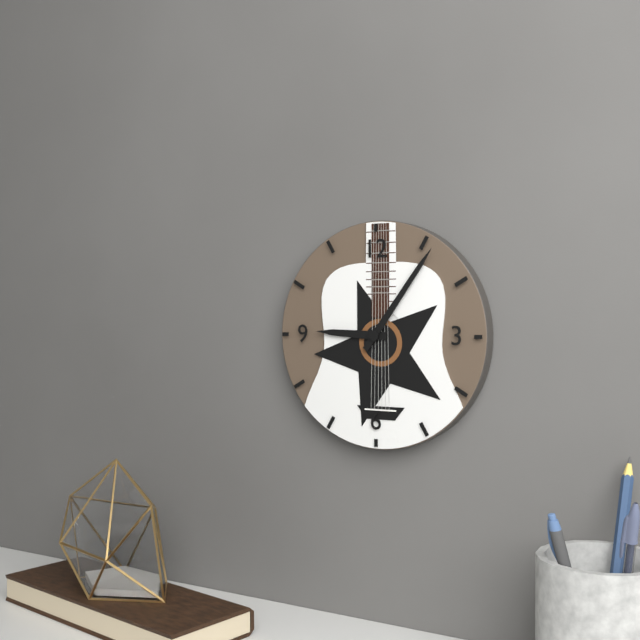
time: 9:06
